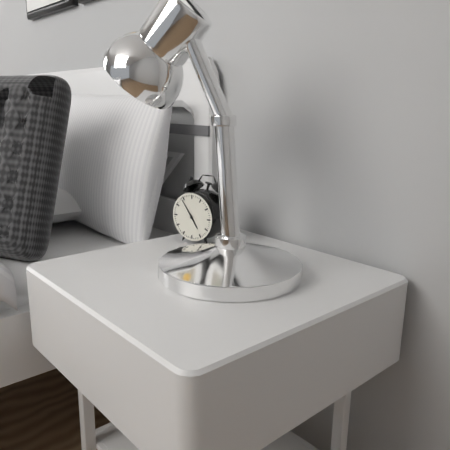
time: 4:54
